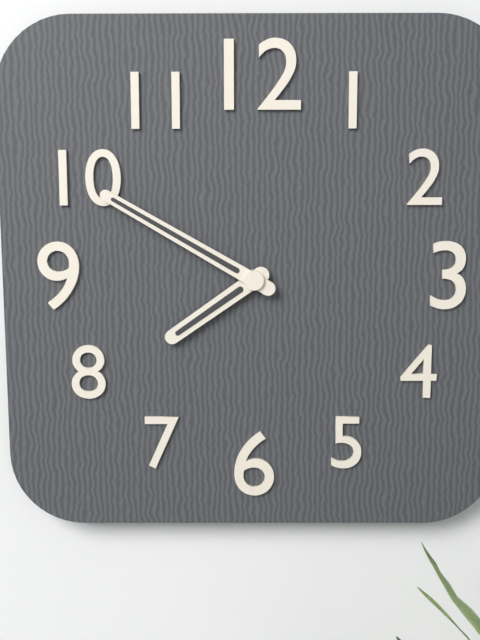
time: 7:50
